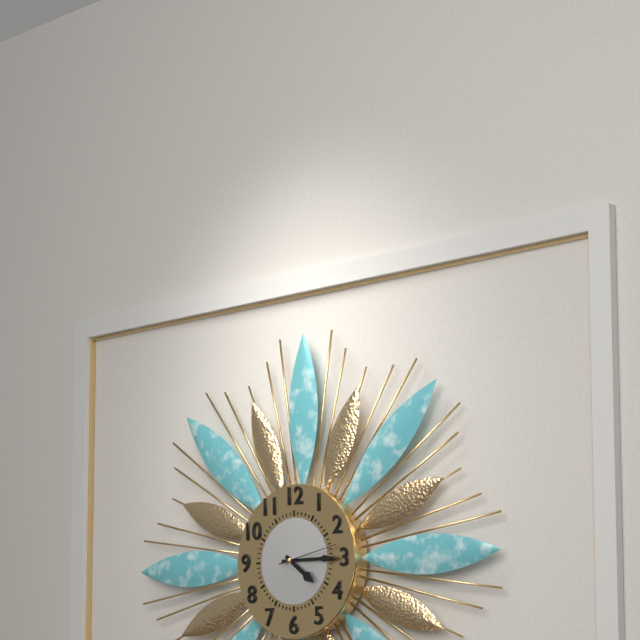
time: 4:15
